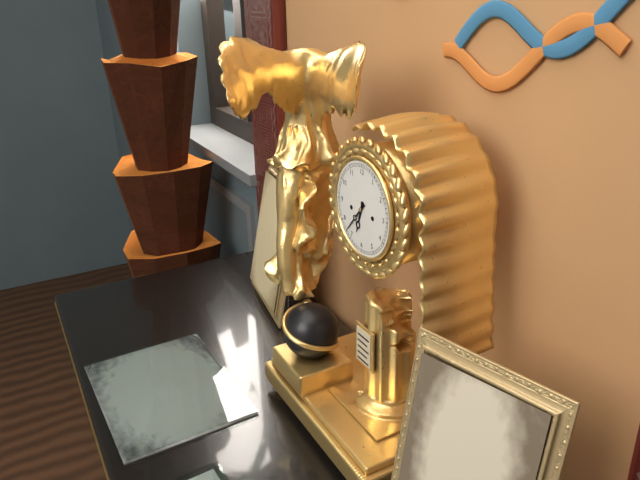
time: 6:37
